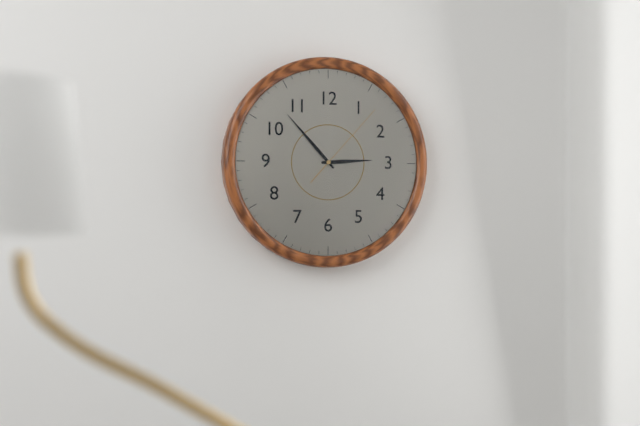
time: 2:53:07
